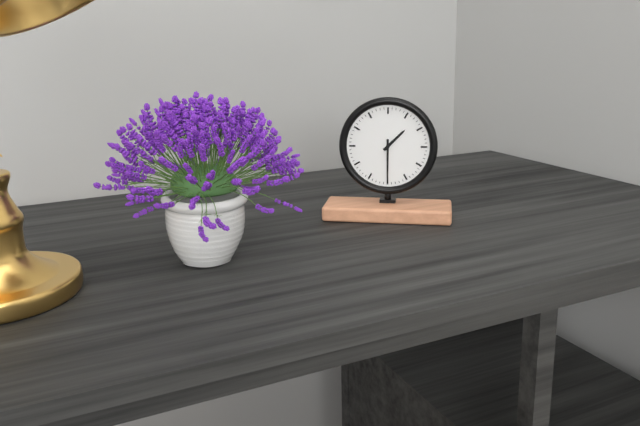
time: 1:30
